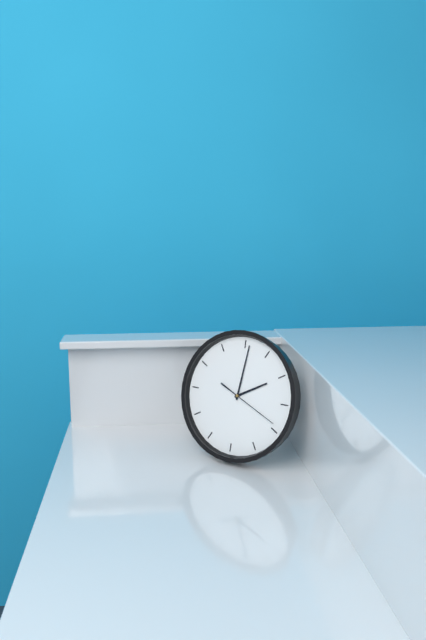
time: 2:01:19
